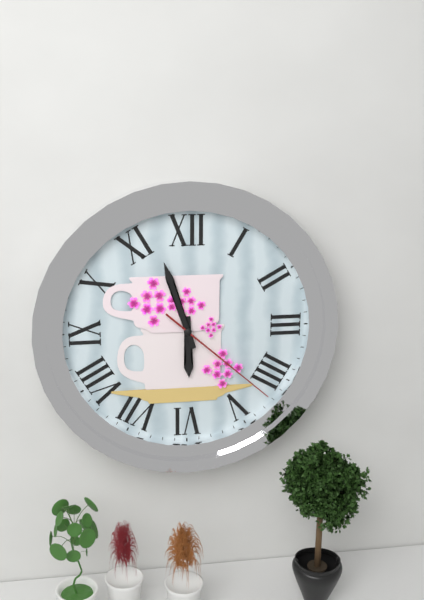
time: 5:57:22
